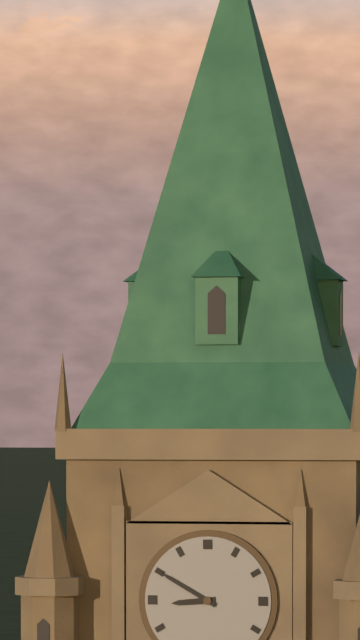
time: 8:50
